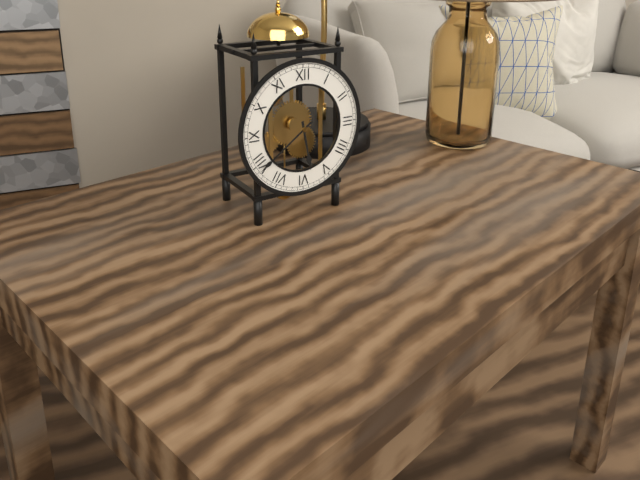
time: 5:39
